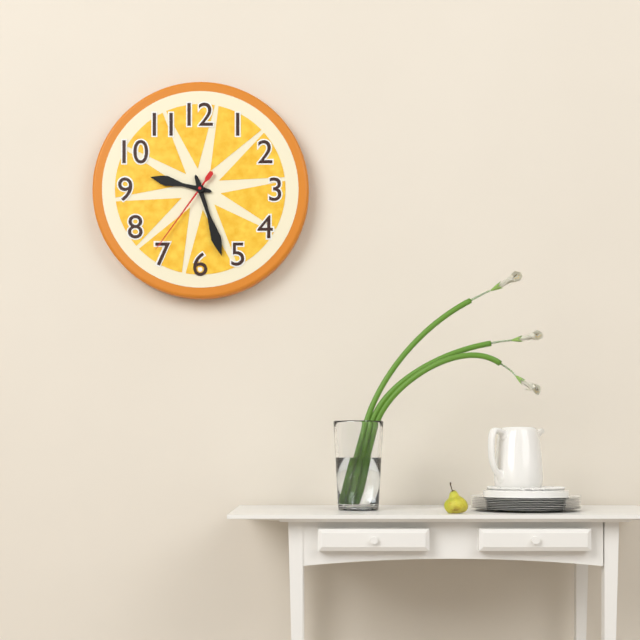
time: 9:27:36
